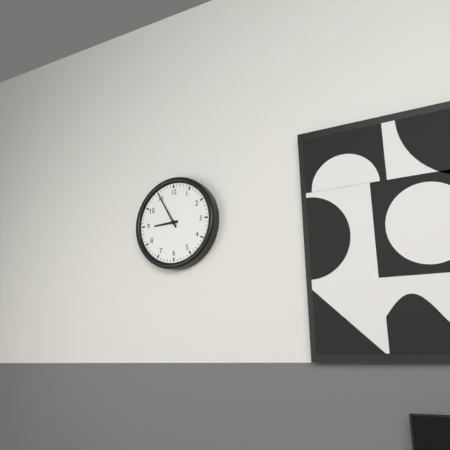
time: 8:55
